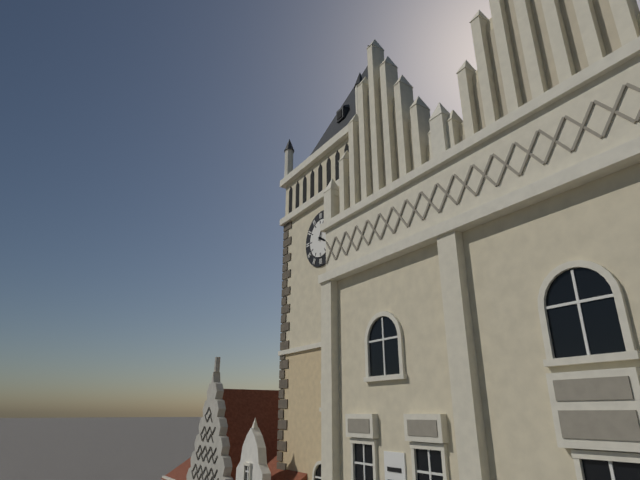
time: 4:04
